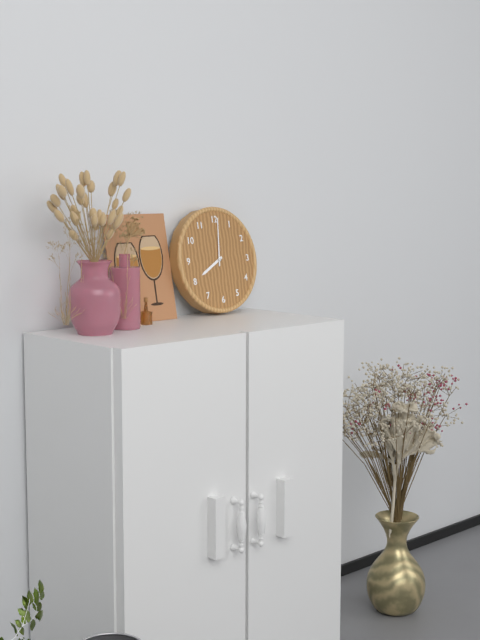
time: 8:01
